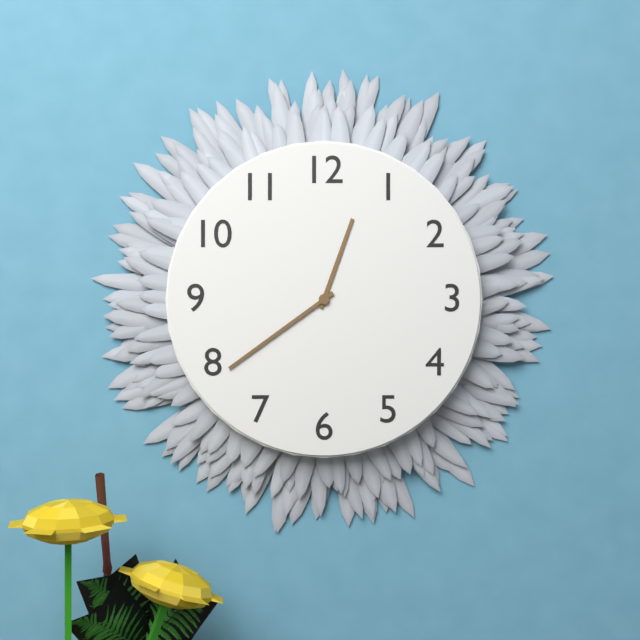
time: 12:39
